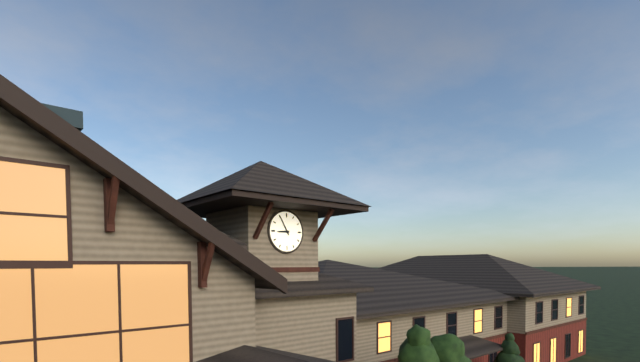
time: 8:55
